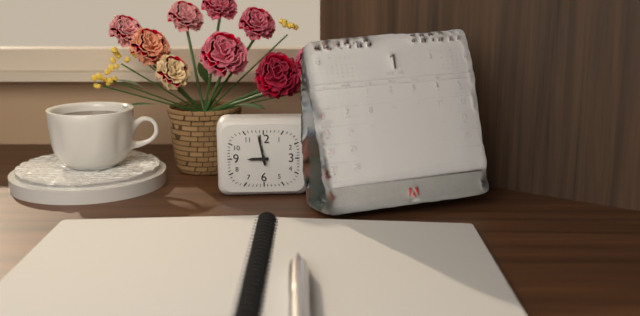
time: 8:58
